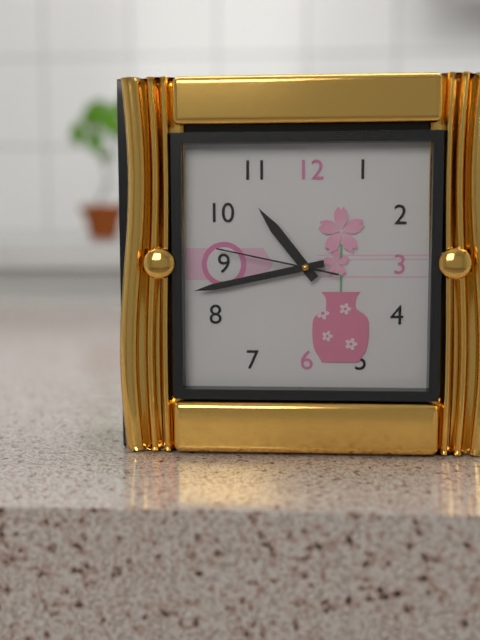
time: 10:43:47
